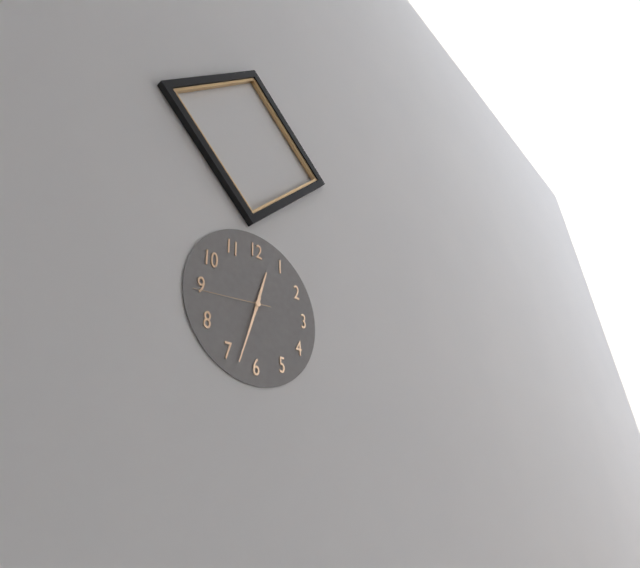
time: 12:33:44
